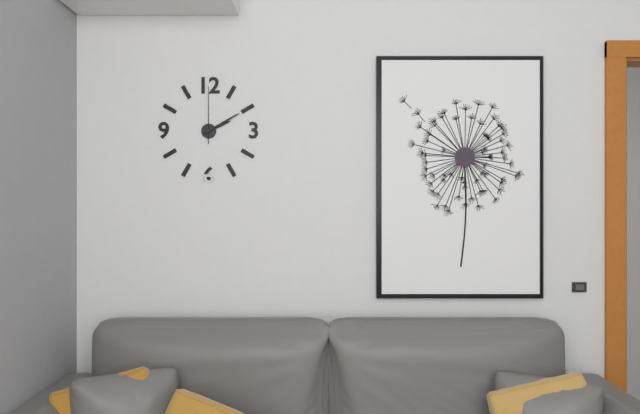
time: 2:10:00
